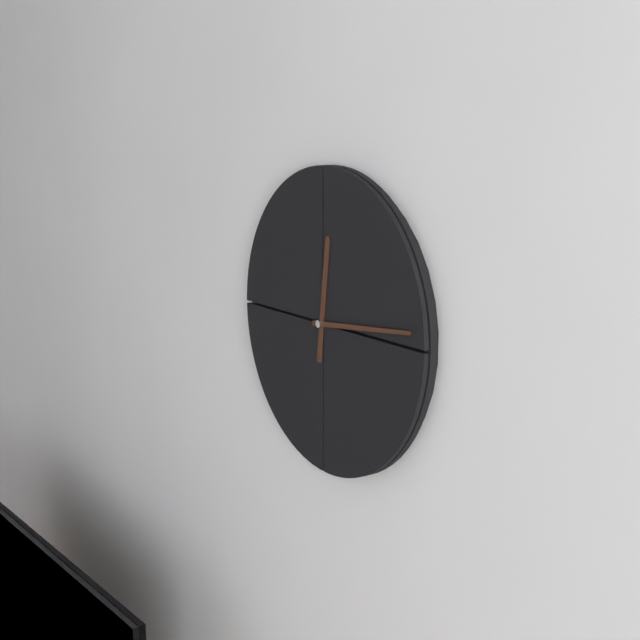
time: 12:14
